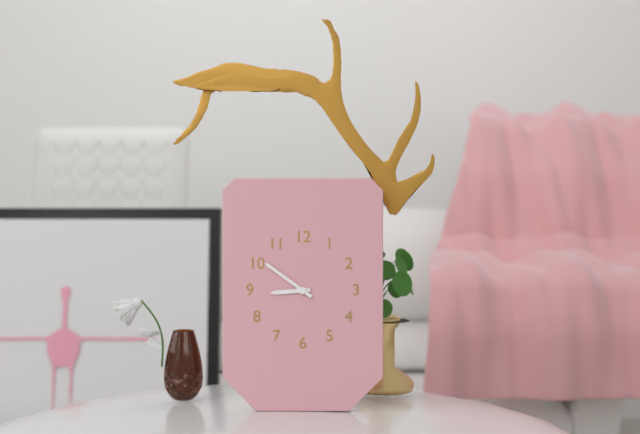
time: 8:51
